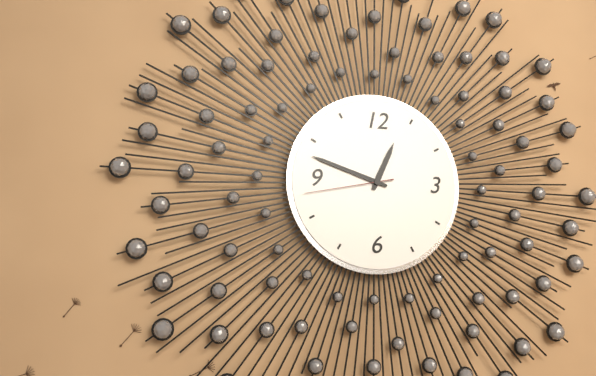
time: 12:48:43
